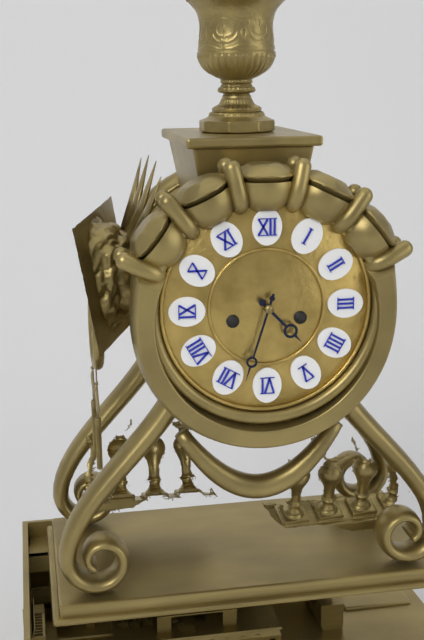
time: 4:33
